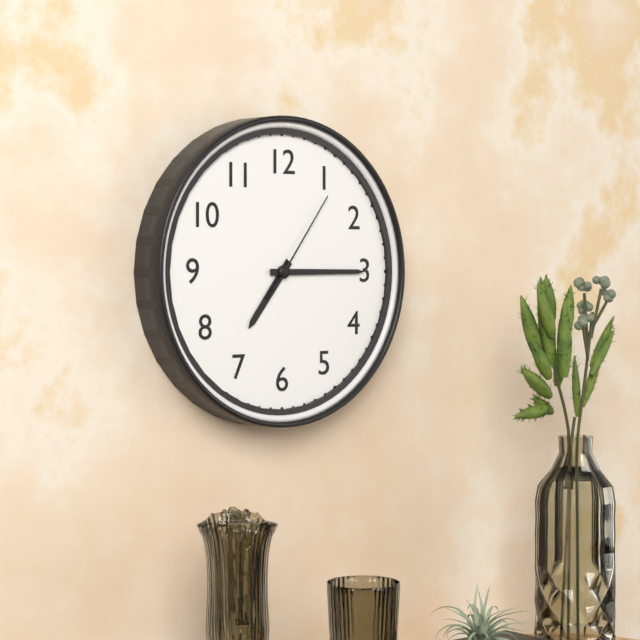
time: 7:15:06
